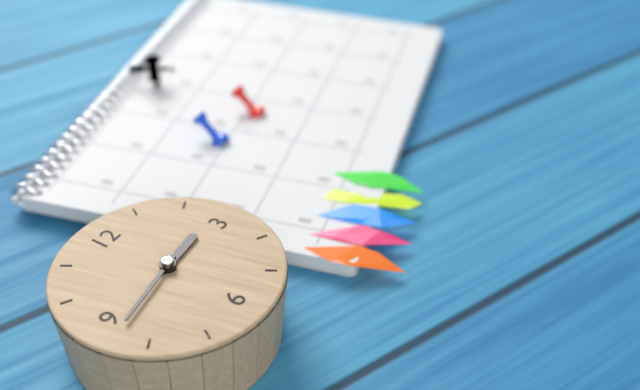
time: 2:43
